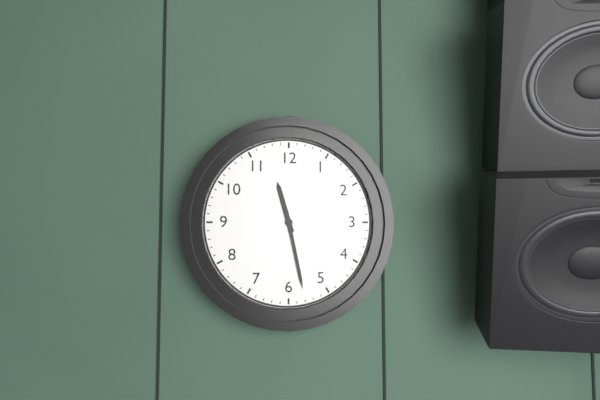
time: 11:28
